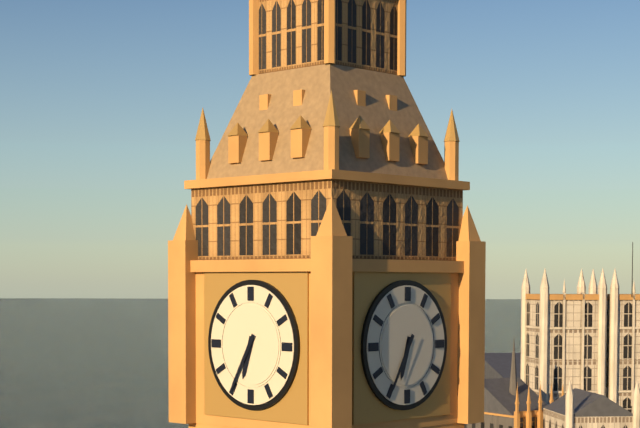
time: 6:35
